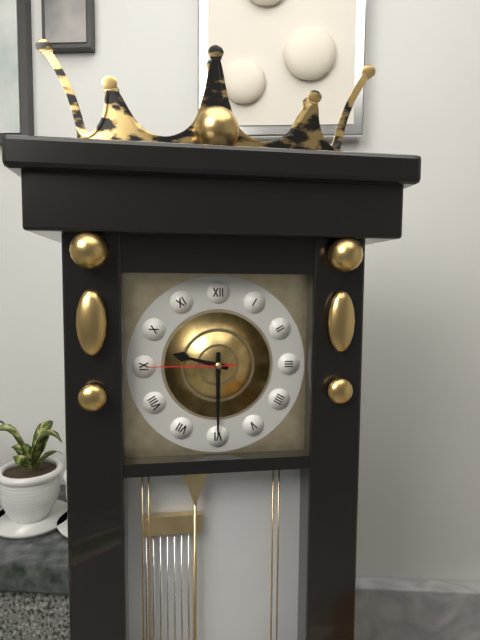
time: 9:30:45
